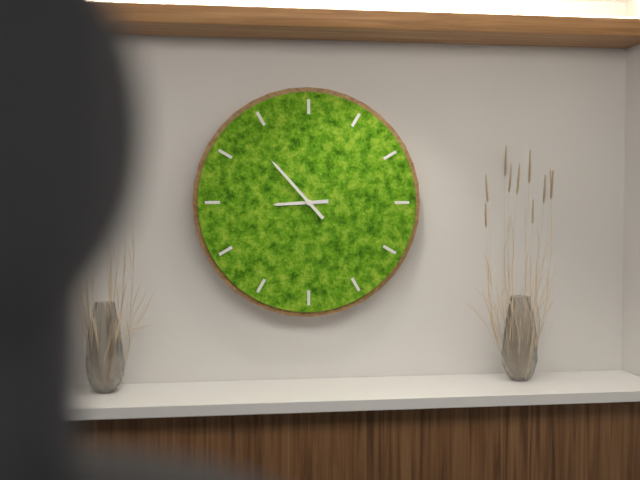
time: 8:53
